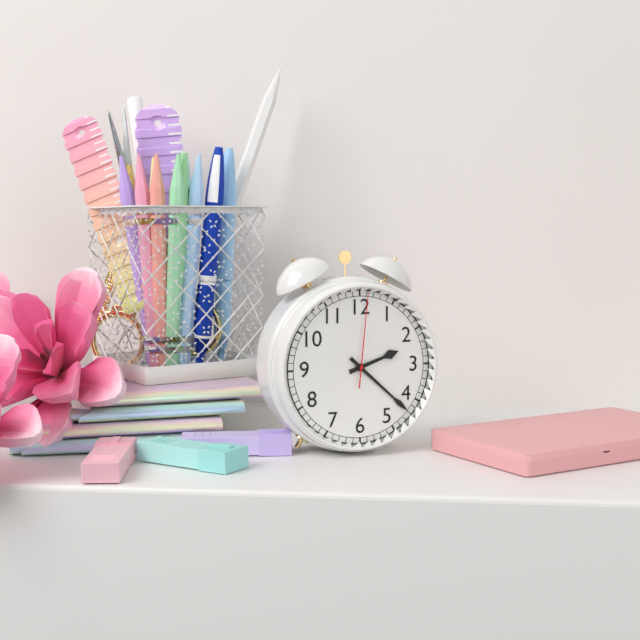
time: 2:22:01
